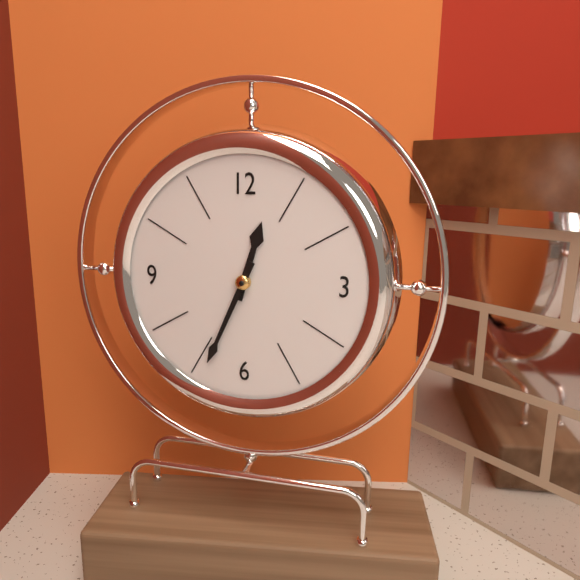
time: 12:34
